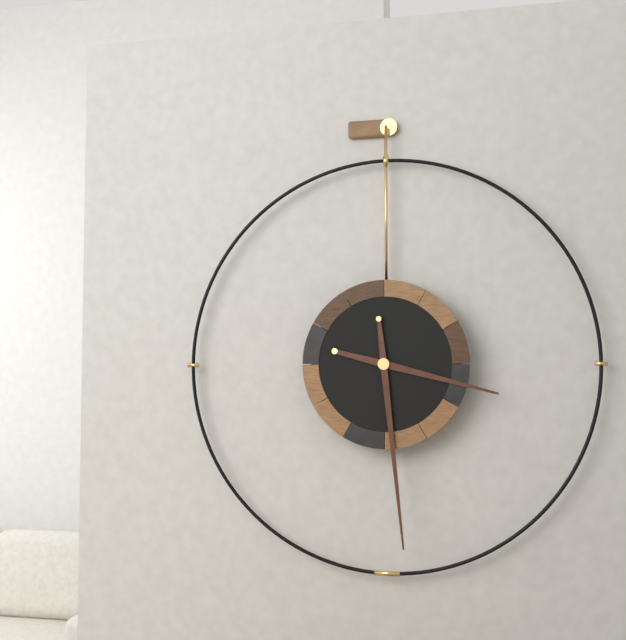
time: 3:29
